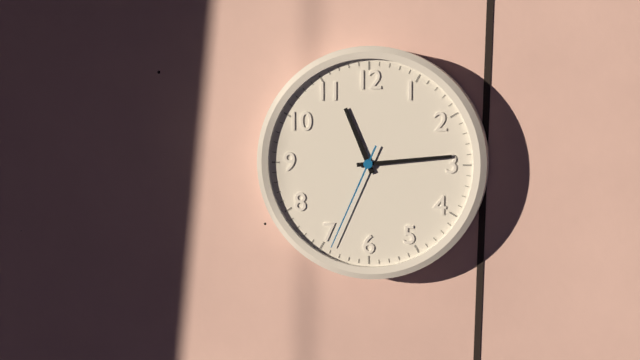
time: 11:14:34
